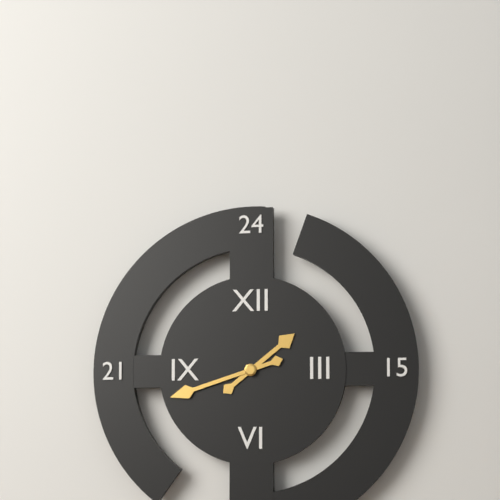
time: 1:42
